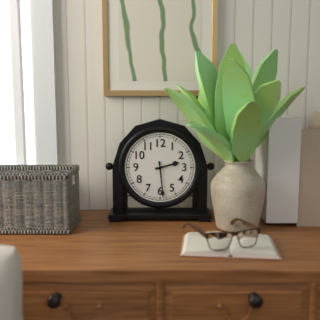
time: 2:29
